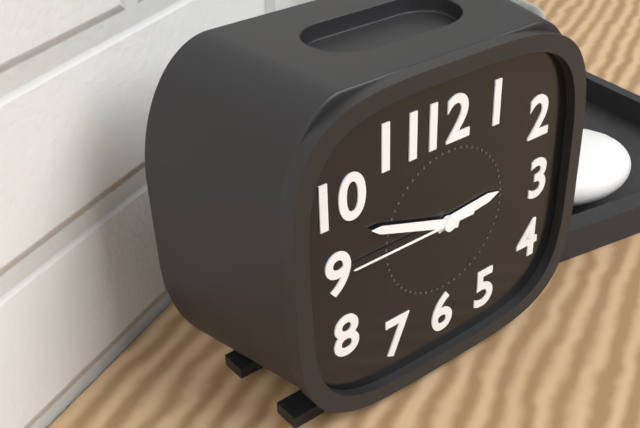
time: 2:48:45
